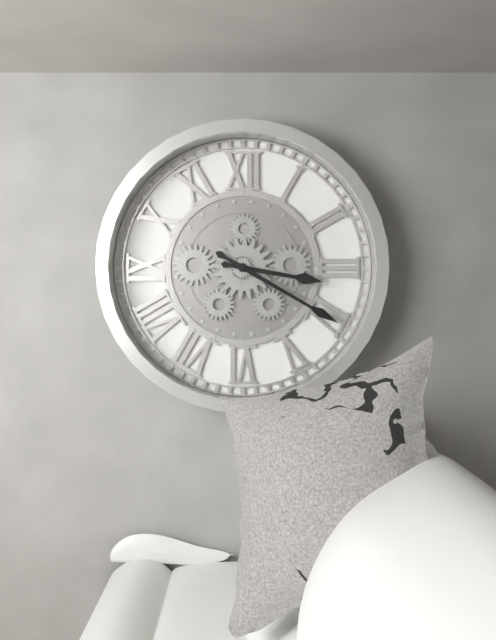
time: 3:20
